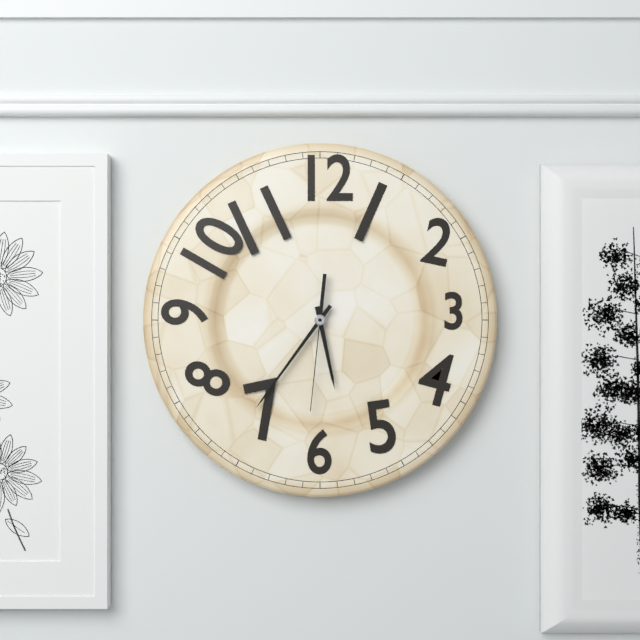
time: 5:36:31
